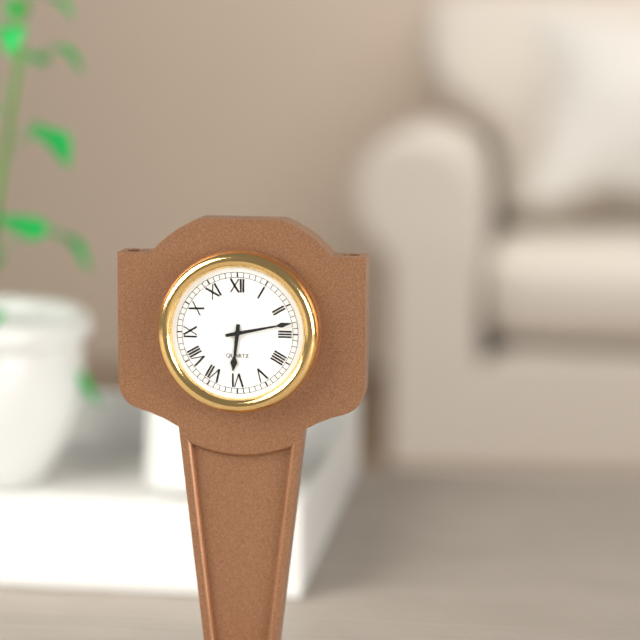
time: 6:13
